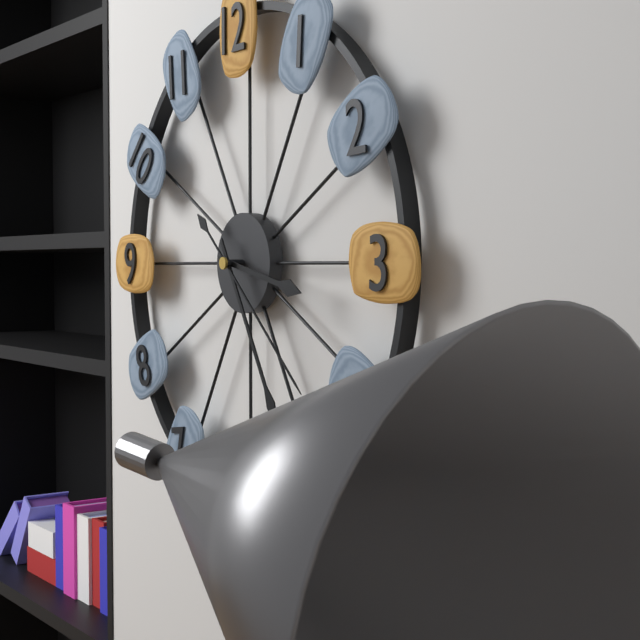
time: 3:25:22
